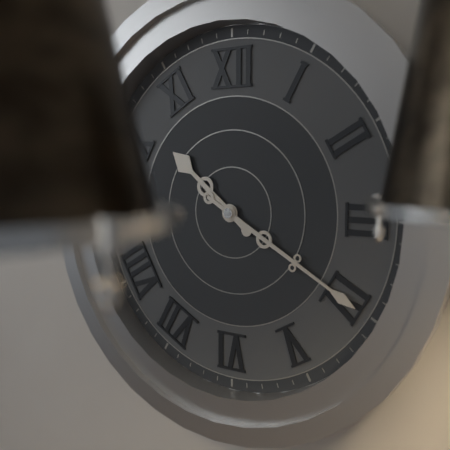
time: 10:20
